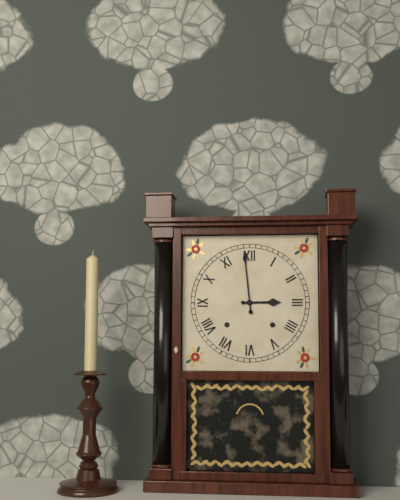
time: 2:59
